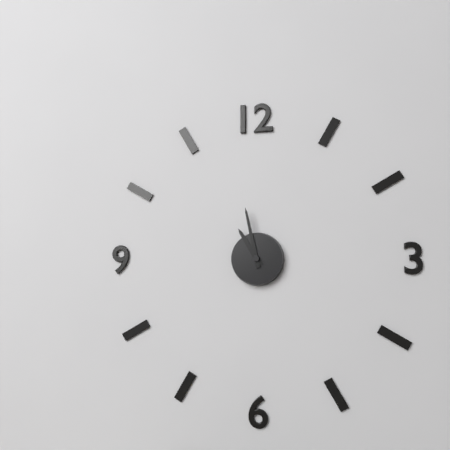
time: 10:58
